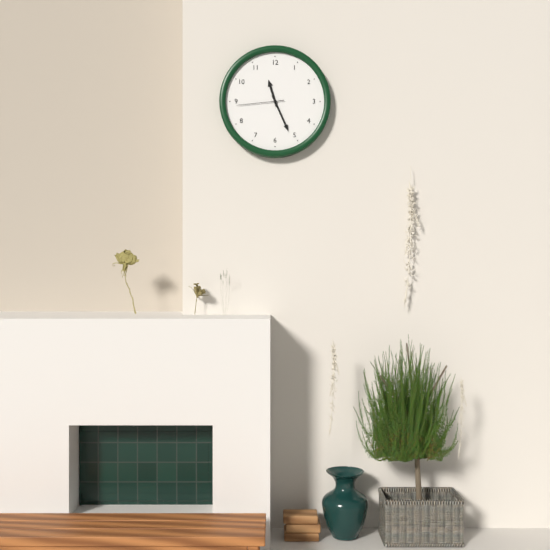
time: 11:26
